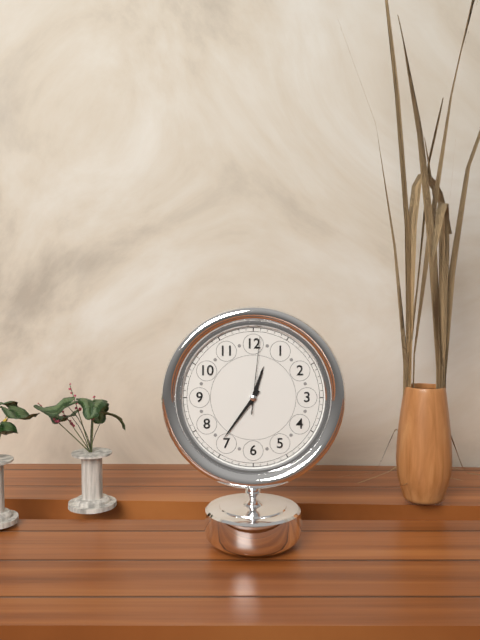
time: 12:36:01
